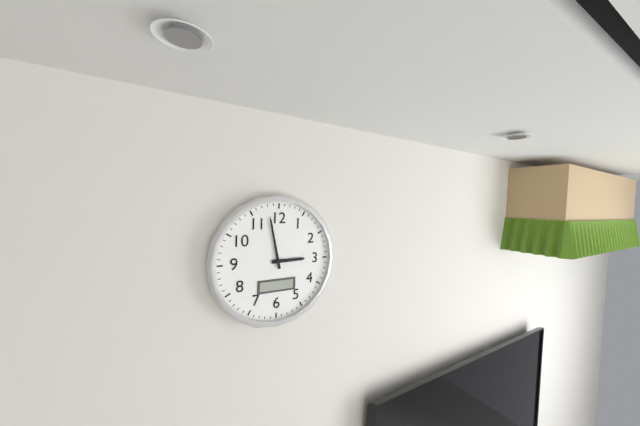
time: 2:58
